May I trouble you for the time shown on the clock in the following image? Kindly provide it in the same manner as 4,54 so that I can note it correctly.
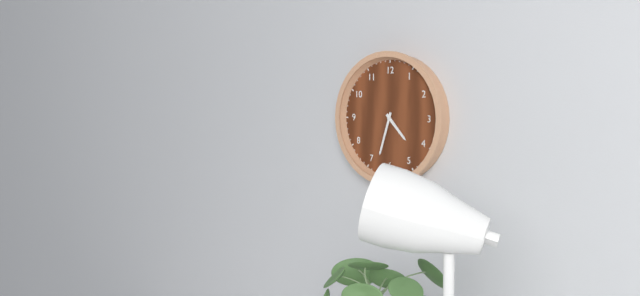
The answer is 4,33
